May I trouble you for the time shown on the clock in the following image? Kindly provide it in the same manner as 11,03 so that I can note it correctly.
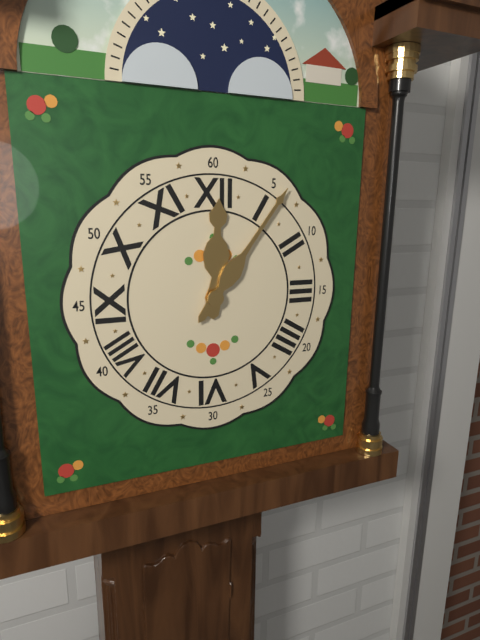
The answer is 12,06
